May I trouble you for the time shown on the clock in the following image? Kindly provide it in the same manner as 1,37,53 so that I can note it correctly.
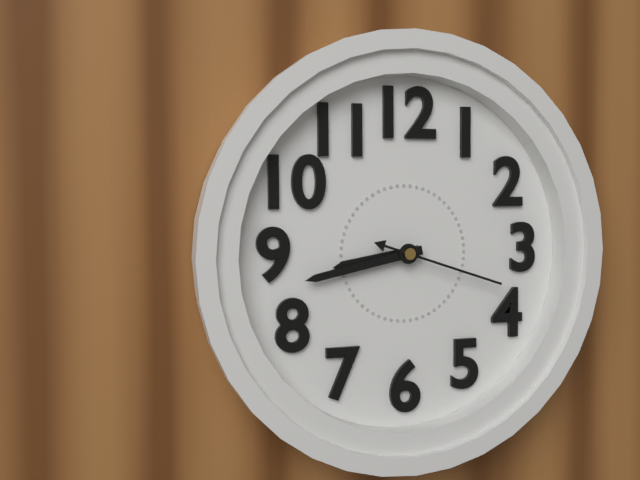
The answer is 8,43,18
